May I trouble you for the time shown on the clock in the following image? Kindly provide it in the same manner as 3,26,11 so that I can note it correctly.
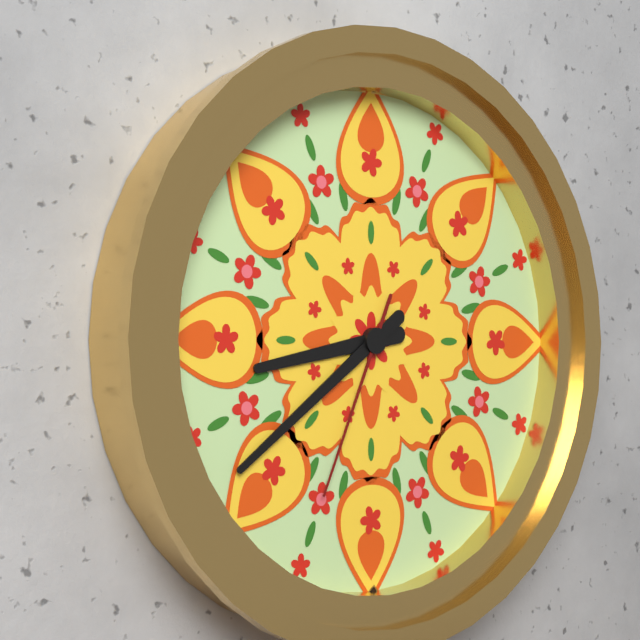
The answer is 8,39,34
